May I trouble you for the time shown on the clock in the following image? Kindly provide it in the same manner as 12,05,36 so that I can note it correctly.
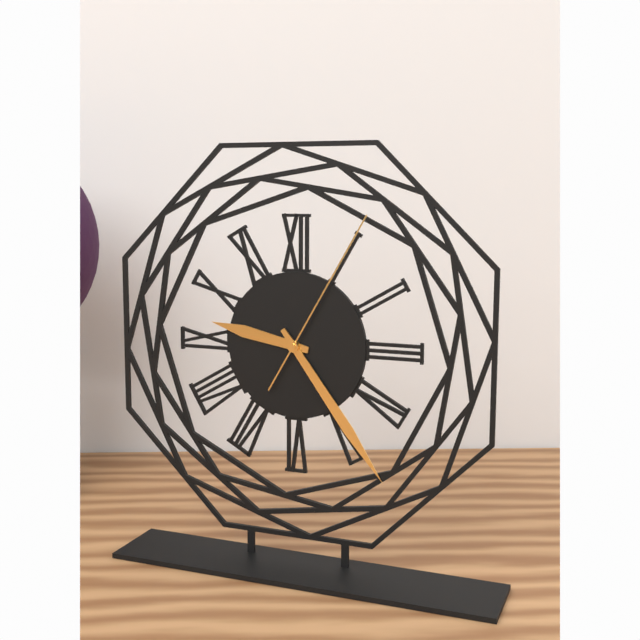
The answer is 9,24,05
